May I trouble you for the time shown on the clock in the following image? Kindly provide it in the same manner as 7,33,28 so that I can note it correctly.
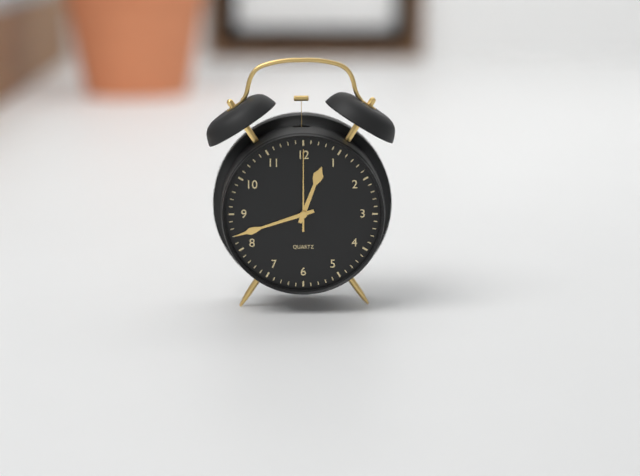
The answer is 12,42,00
